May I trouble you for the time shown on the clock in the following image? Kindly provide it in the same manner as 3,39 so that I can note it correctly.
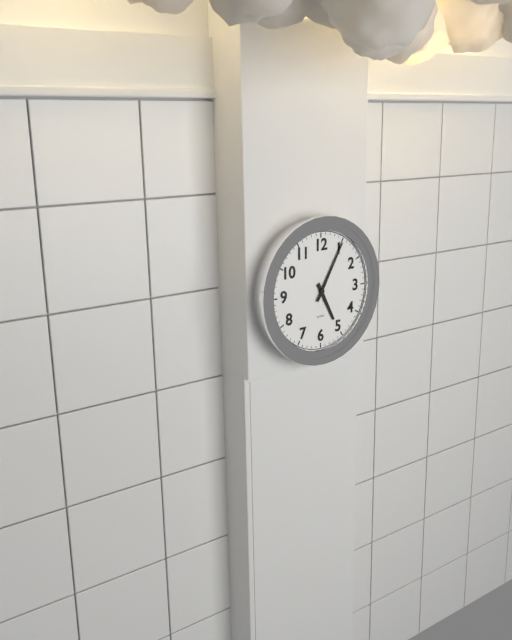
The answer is 5,05
